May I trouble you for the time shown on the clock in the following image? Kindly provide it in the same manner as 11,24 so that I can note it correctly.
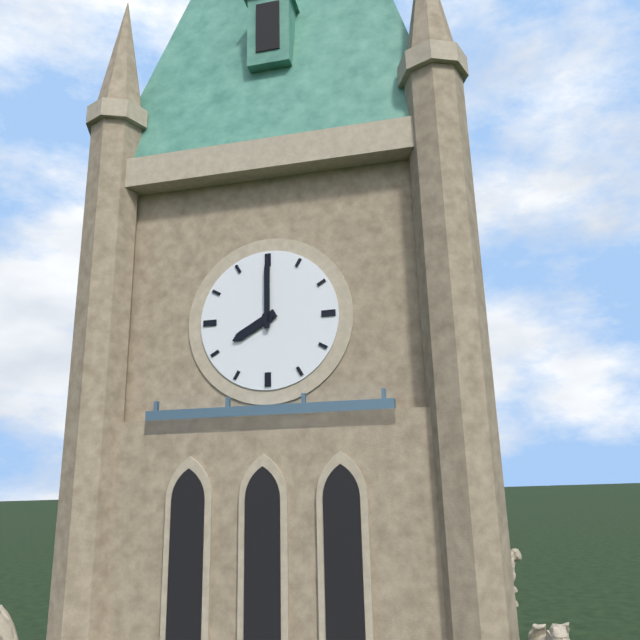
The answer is 8,00
